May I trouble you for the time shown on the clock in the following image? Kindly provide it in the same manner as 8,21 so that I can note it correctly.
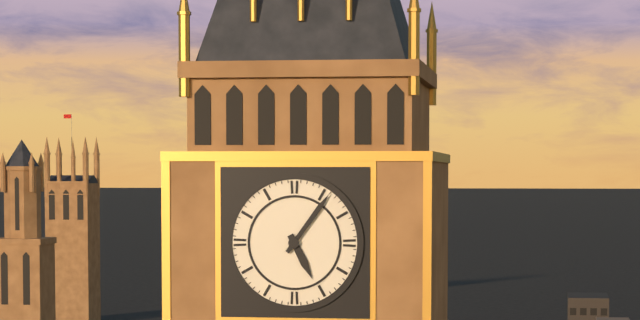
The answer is 5,06
